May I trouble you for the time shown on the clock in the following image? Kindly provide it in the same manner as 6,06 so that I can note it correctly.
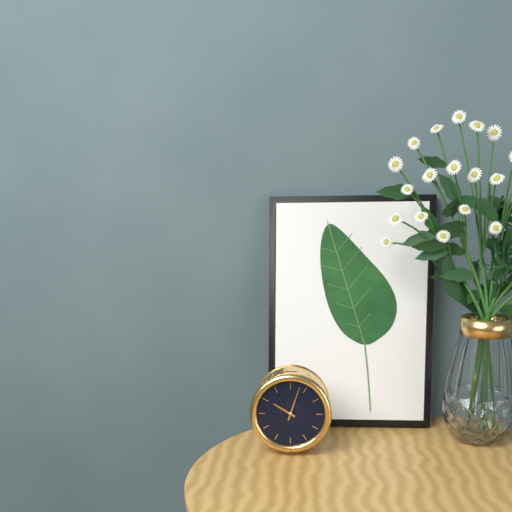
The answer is 10,03
